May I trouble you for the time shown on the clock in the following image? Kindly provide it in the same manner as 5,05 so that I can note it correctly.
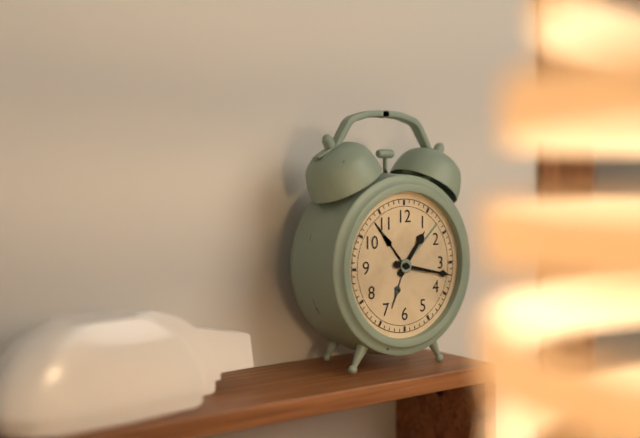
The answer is 1,17
